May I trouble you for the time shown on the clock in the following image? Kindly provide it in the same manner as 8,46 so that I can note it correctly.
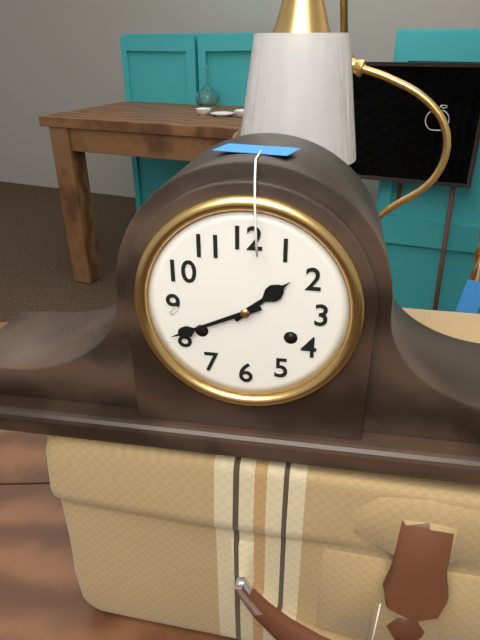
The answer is 1,41
